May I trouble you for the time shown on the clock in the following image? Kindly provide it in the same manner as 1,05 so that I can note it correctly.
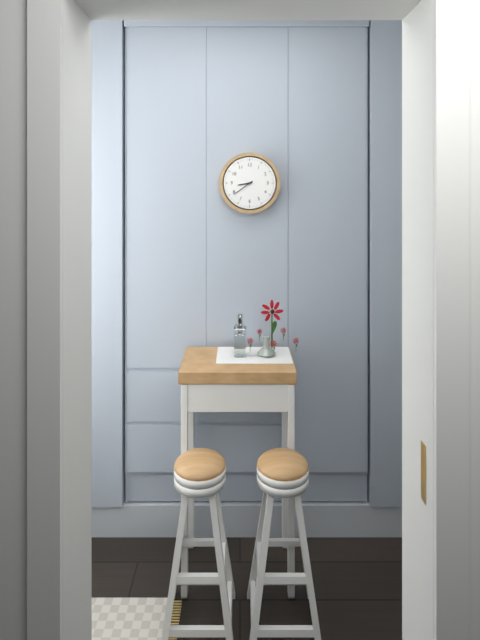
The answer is 8,39
